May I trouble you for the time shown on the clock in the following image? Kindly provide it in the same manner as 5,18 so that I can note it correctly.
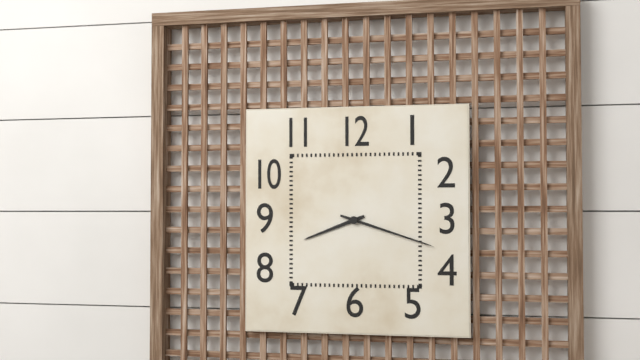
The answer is 8,18
